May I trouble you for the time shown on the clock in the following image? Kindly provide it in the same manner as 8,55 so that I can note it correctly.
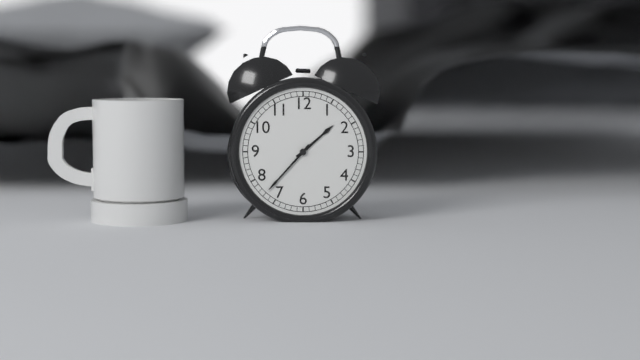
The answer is 1,37
